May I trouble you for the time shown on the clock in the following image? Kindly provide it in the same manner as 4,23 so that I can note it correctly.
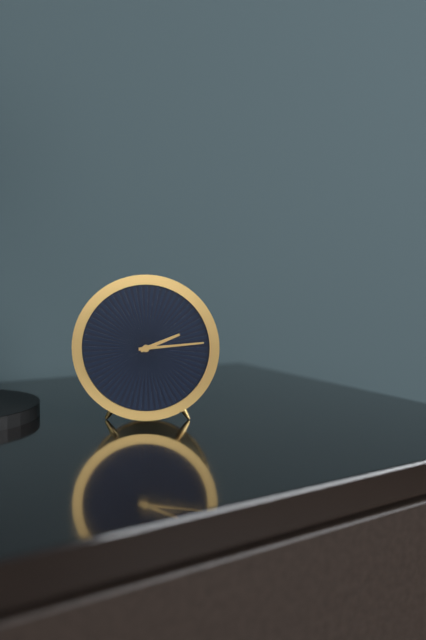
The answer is 2,14
